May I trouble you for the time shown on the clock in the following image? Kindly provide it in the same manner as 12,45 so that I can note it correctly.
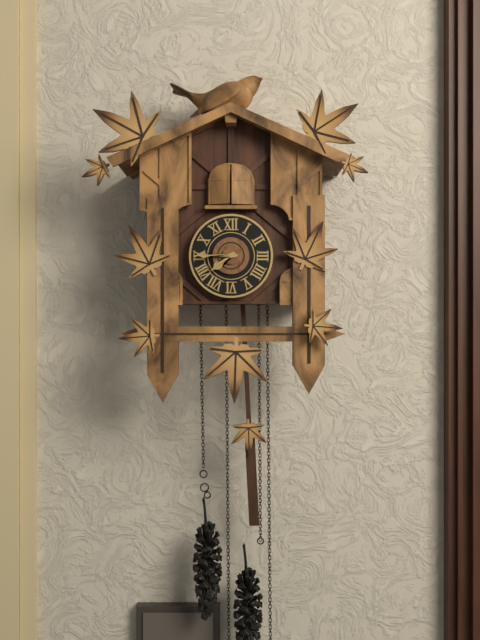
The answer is 7,45
